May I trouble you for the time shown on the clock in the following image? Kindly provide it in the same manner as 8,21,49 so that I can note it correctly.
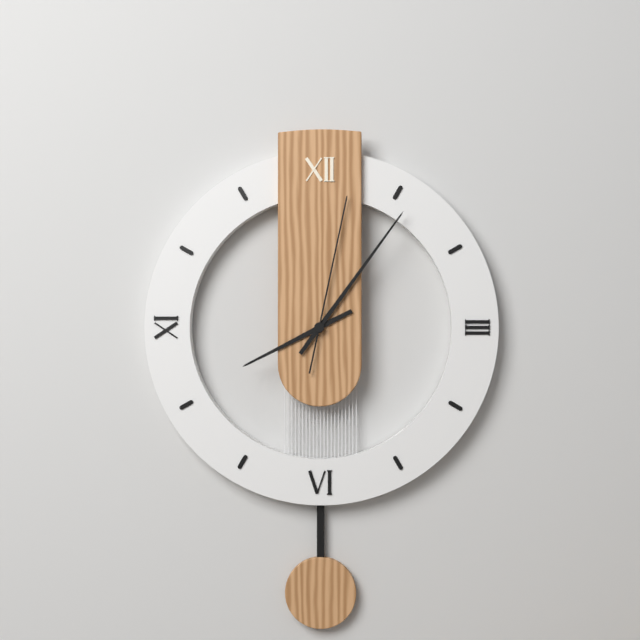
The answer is 8,06,02
